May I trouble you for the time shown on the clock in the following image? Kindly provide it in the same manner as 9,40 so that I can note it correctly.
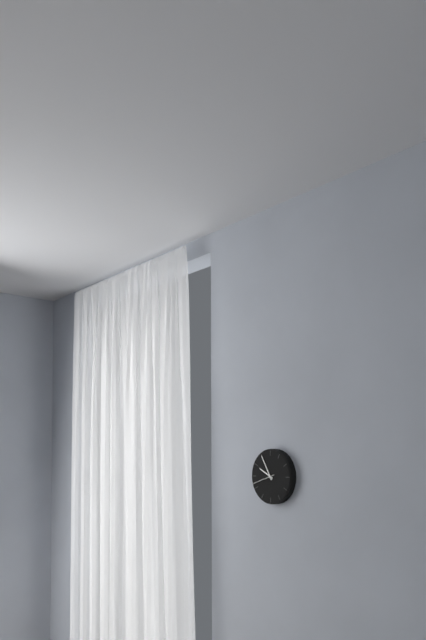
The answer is 9,55
